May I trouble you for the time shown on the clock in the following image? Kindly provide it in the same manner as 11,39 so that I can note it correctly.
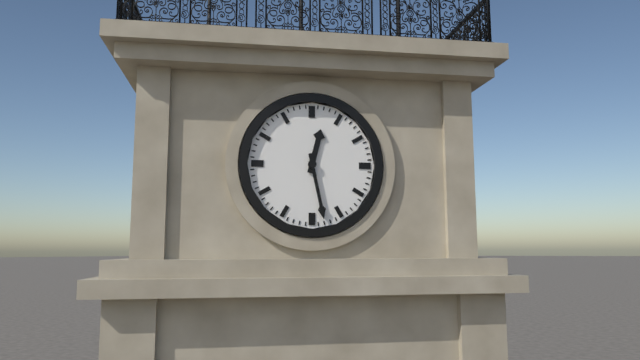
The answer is 12,28
